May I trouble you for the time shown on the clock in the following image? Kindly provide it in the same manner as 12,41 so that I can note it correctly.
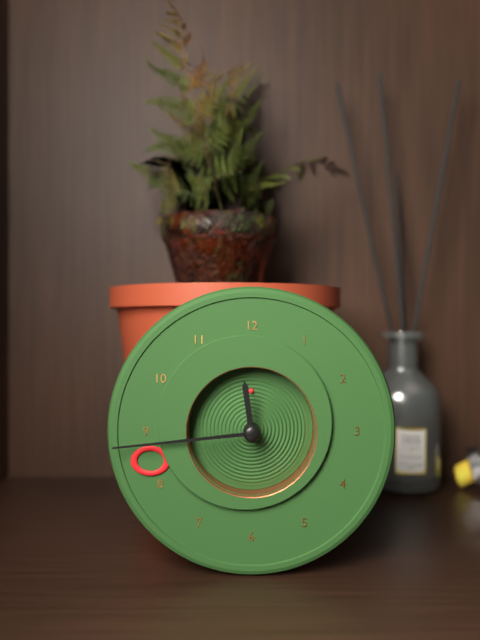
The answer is 11,44
